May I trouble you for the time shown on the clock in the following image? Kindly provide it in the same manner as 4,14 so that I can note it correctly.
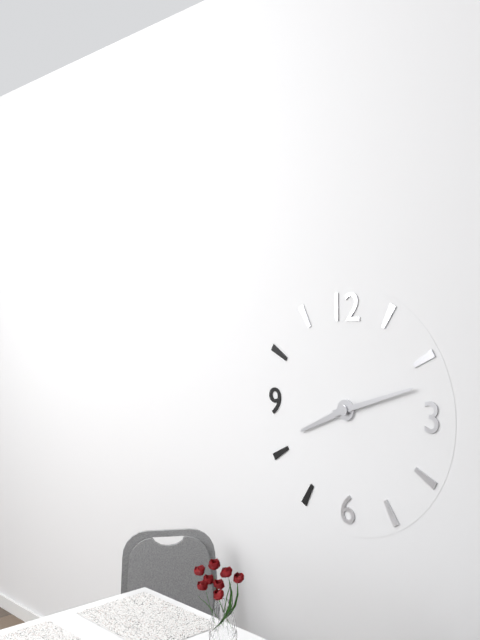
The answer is 8,12
